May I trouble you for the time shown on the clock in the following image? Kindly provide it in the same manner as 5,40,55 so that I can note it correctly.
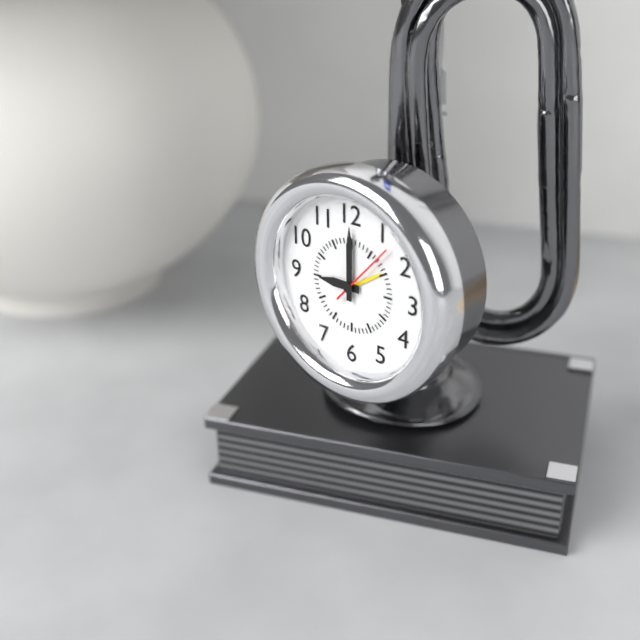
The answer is 9,00,07
